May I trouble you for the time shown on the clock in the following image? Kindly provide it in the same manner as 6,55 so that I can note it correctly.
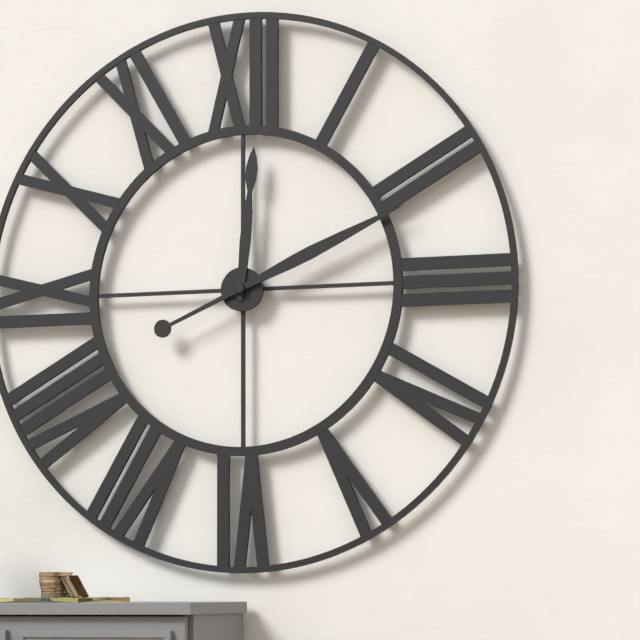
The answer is 12,11
